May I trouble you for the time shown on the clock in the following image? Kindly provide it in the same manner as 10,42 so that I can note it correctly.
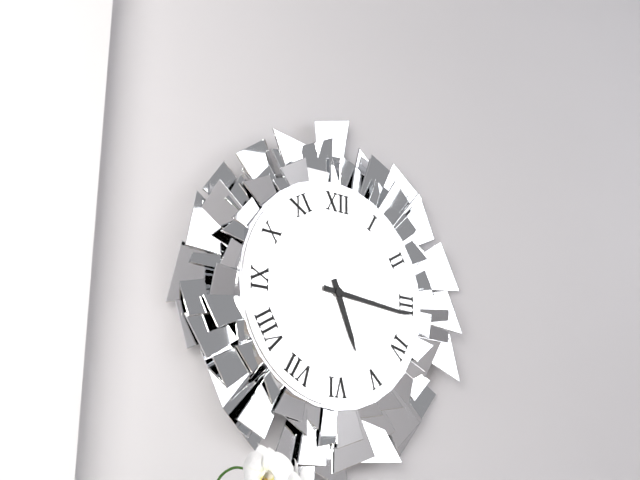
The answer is 5,16
